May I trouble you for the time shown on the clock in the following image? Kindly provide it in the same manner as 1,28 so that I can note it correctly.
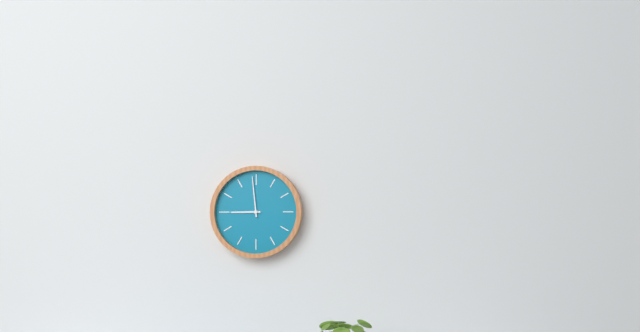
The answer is 8,59
